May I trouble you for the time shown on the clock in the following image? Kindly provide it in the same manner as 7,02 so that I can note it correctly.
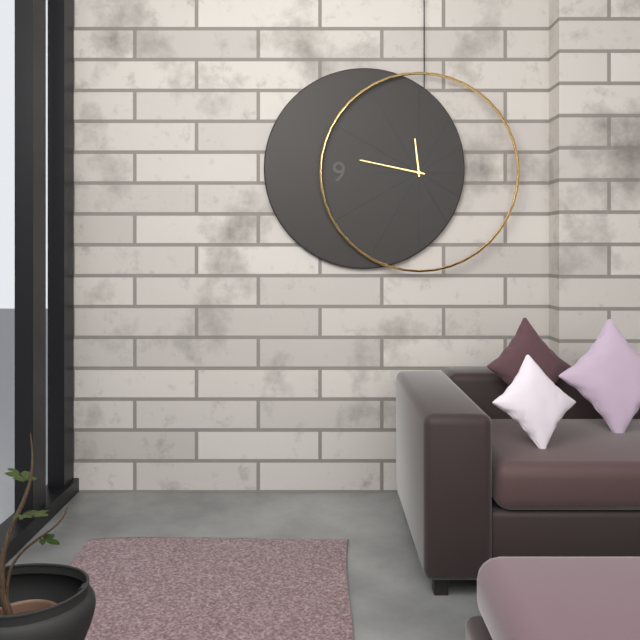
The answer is 11,47
